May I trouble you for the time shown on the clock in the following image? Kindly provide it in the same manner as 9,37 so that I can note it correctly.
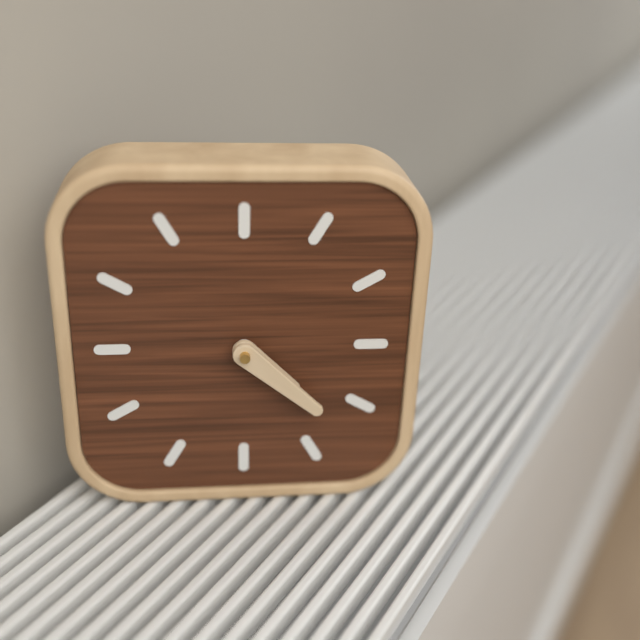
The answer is 4,22
